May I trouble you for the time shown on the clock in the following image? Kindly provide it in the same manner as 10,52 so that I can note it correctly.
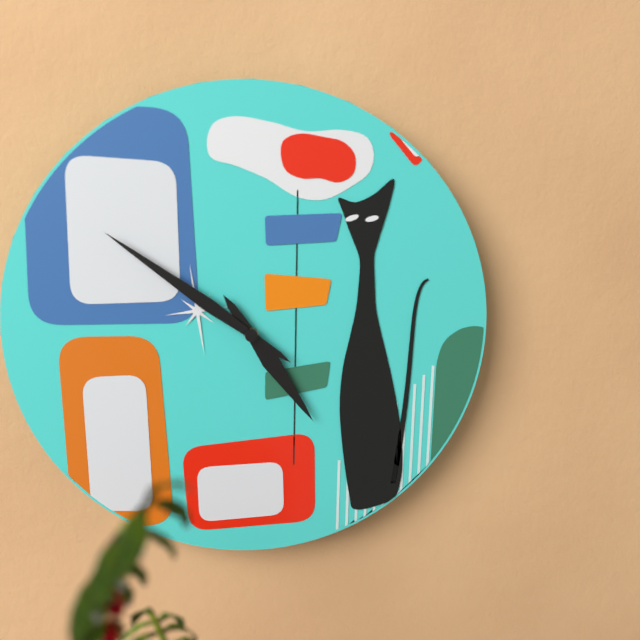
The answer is 4,51
